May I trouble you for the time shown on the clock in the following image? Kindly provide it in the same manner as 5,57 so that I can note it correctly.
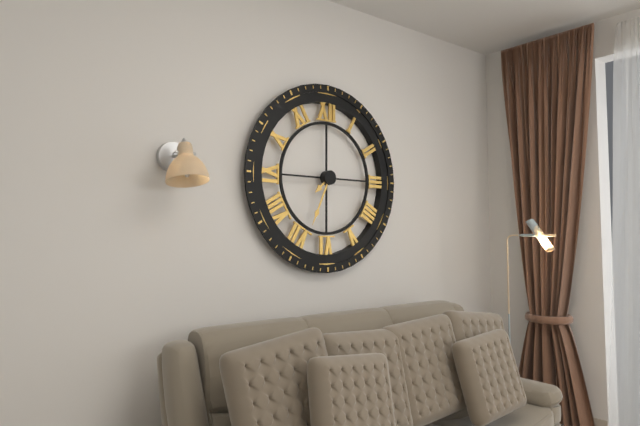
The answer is 7,34
